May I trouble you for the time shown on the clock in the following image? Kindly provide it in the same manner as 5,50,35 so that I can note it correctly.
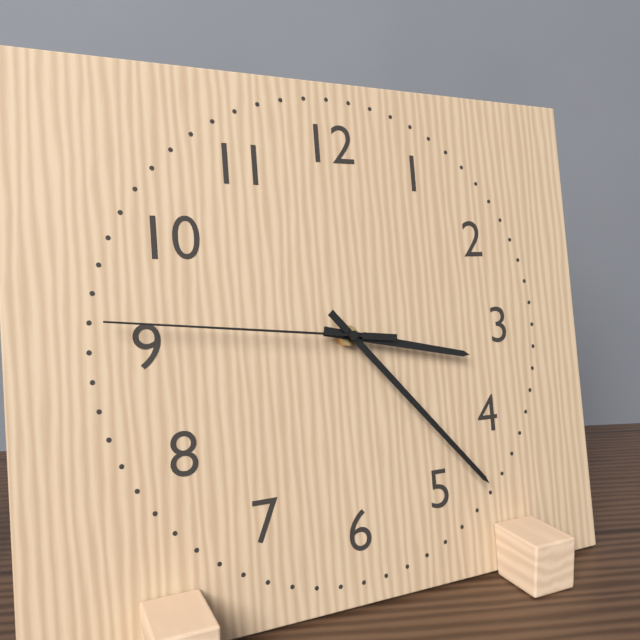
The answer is 3,23,46
